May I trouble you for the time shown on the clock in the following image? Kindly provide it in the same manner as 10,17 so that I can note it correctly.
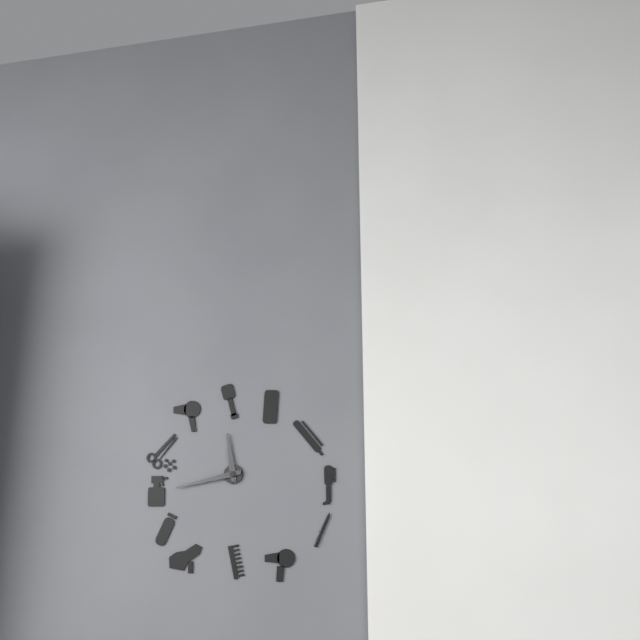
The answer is 11,43
